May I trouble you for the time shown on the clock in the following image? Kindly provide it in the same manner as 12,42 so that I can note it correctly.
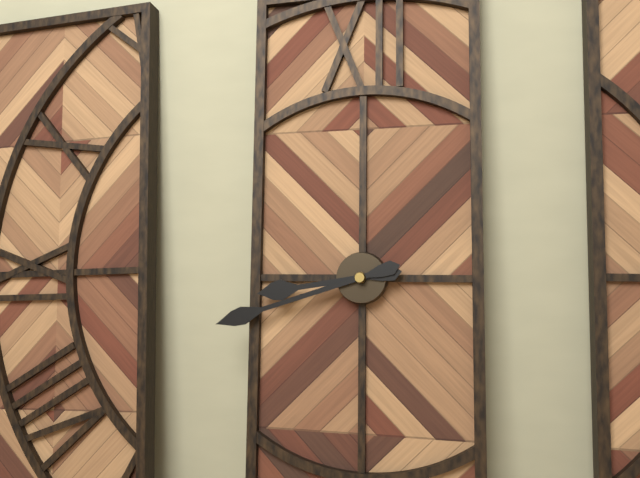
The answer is 8,42
